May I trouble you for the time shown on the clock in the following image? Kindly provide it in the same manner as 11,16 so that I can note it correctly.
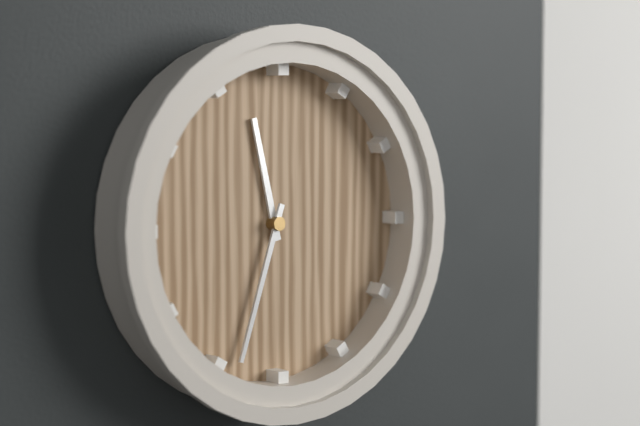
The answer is 11,33
